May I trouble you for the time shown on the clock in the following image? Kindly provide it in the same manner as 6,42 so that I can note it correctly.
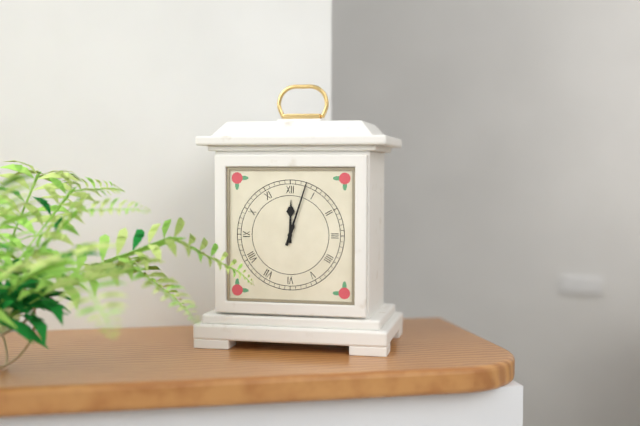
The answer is 12,03
